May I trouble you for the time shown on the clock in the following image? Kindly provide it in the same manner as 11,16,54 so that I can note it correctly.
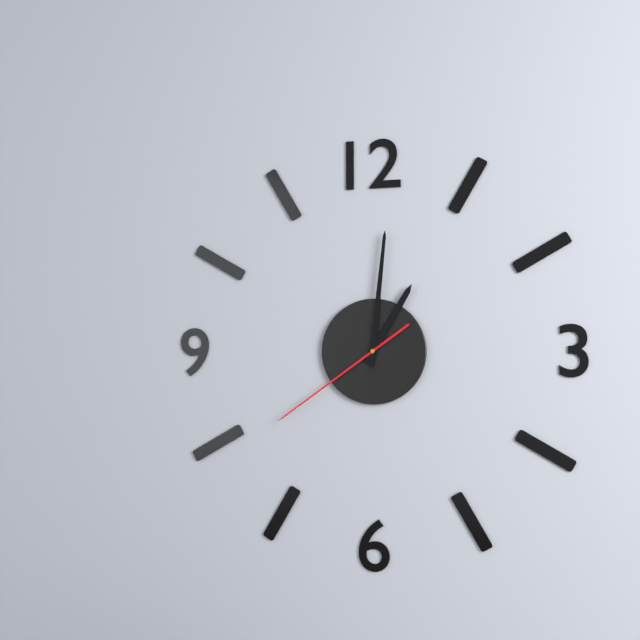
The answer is 1,01,39
